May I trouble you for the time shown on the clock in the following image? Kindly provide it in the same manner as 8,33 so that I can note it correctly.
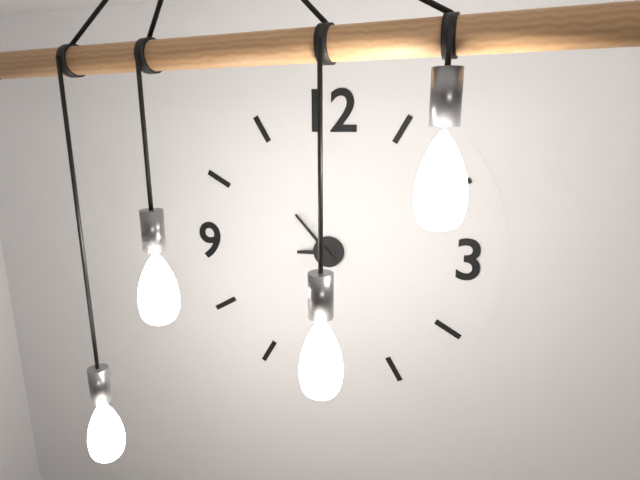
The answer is 8,53
